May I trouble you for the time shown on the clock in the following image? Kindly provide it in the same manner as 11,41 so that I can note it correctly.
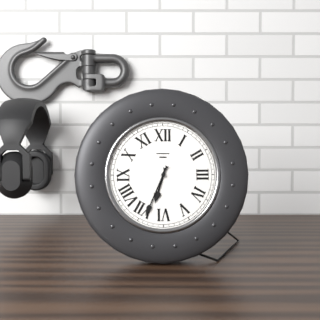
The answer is 6,34
